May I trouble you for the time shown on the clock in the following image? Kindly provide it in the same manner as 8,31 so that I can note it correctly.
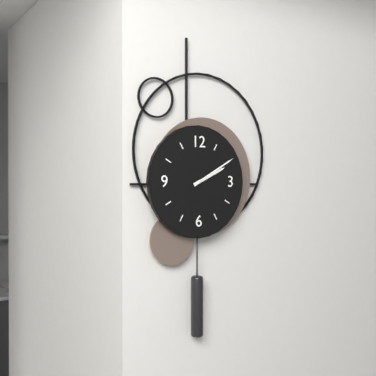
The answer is 2,10
